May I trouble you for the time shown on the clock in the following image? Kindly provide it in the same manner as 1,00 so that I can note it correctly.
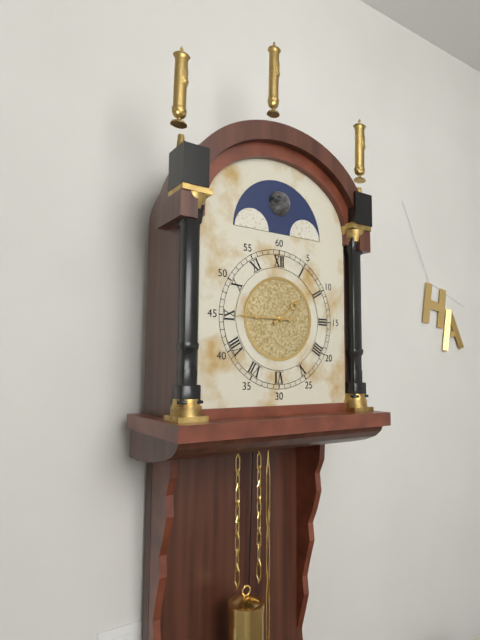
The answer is 1,45
